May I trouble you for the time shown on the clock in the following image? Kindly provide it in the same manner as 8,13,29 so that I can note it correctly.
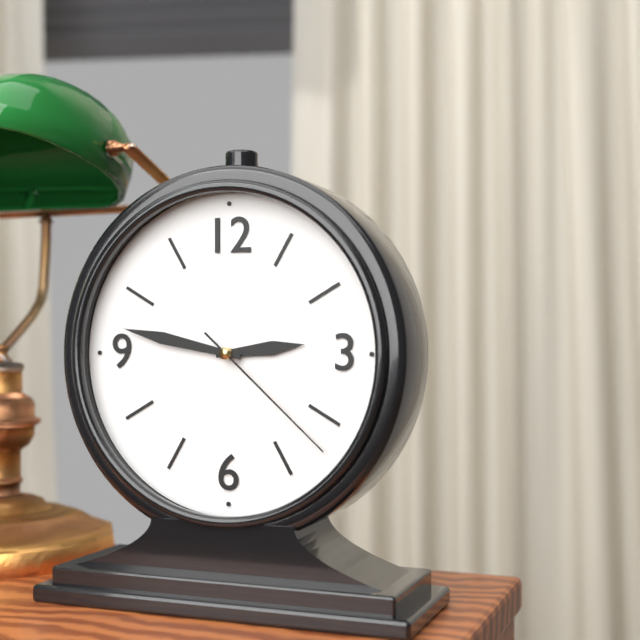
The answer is 2,47,22
